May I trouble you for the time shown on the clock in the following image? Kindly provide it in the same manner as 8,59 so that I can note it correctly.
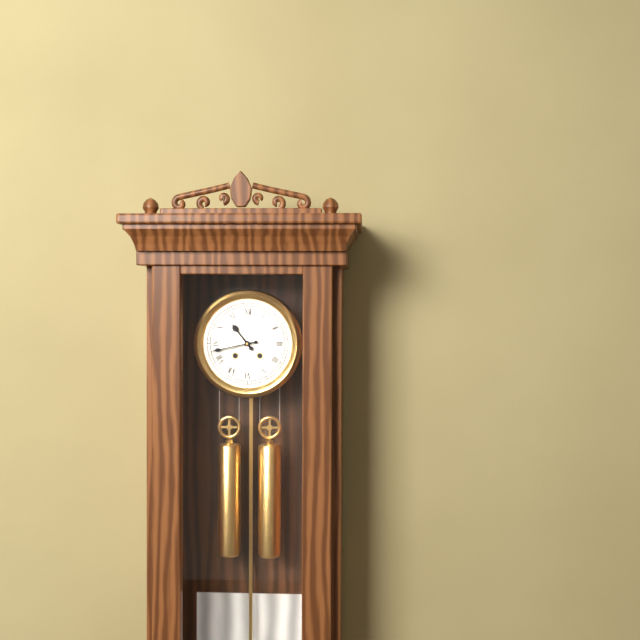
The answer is 10,43
